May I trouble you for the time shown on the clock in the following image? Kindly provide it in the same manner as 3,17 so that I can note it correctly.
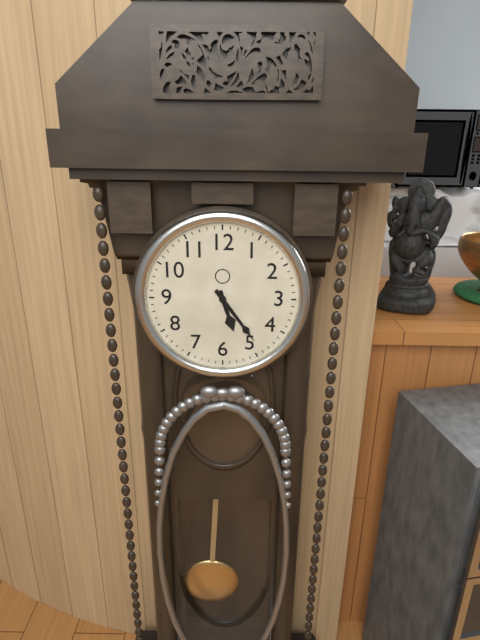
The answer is 5,24
